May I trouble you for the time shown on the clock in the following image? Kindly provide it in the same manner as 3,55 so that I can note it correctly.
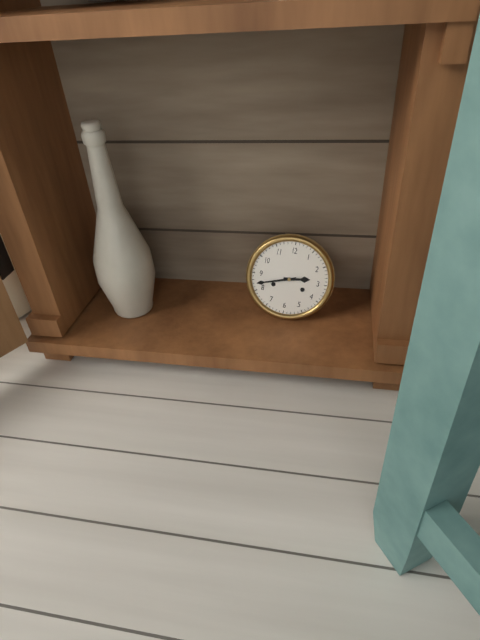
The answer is 2,42
